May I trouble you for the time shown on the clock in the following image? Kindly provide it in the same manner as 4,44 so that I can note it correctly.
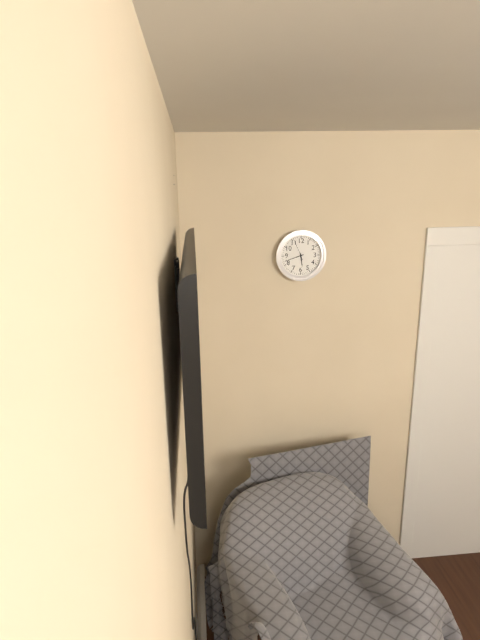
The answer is 5,42
